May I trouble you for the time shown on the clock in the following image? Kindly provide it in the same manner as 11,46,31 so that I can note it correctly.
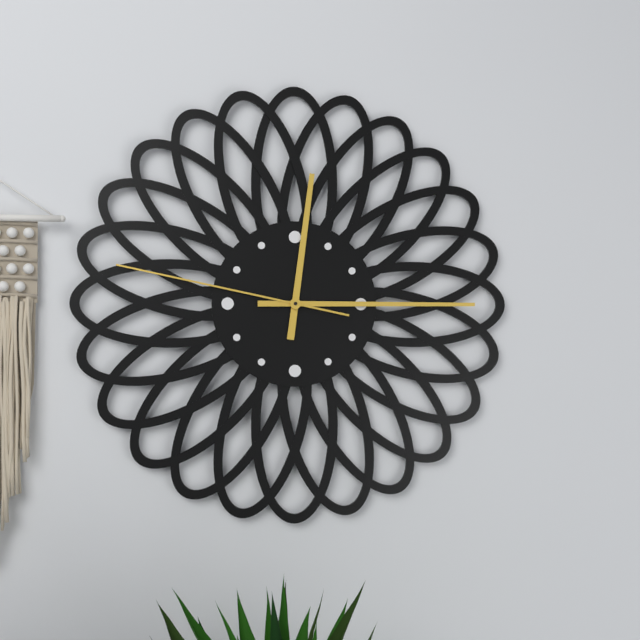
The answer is 12,15,47
